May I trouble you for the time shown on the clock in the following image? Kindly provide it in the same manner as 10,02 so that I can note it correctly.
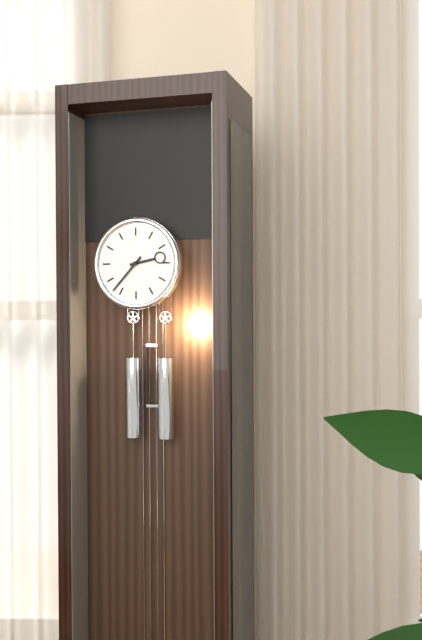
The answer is 2,37
